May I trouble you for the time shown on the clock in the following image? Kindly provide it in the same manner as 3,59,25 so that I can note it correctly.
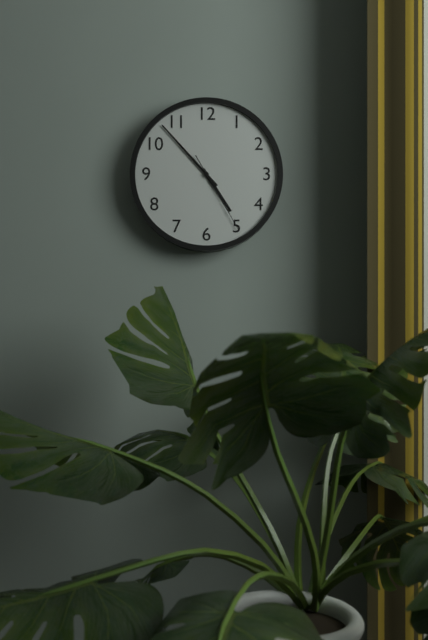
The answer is 4,53,25
